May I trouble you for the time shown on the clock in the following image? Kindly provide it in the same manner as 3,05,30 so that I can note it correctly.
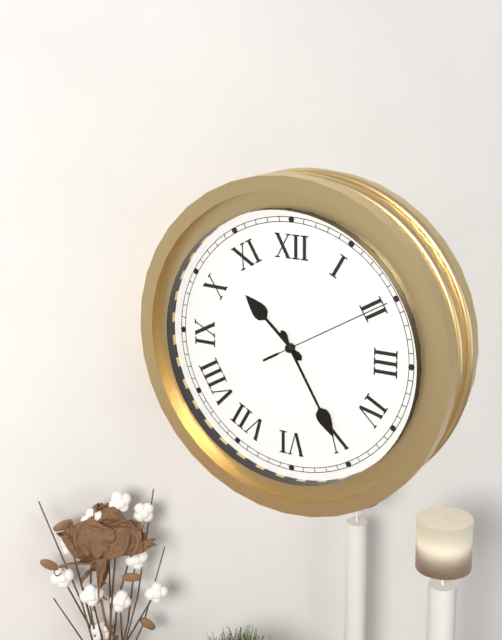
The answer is 10,25,10
